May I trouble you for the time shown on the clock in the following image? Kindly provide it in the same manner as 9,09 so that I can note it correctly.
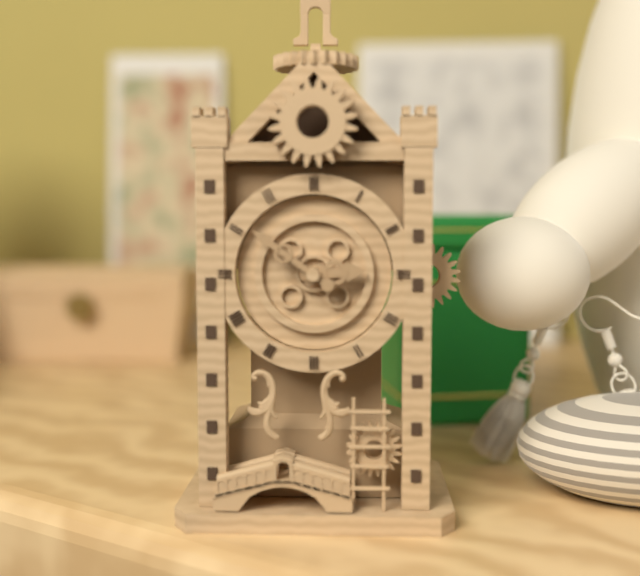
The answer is 2,51
